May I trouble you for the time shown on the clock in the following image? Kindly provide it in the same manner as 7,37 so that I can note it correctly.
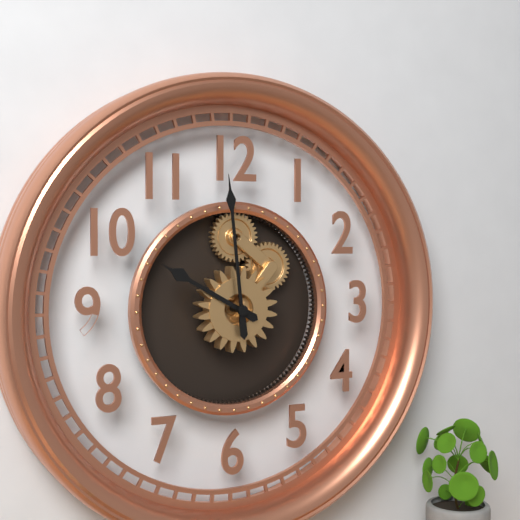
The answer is 9,59
